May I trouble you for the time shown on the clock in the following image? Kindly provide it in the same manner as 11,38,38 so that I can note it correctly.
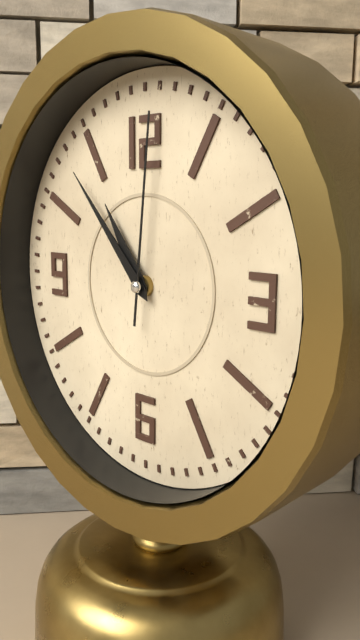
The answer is 10,53,01
